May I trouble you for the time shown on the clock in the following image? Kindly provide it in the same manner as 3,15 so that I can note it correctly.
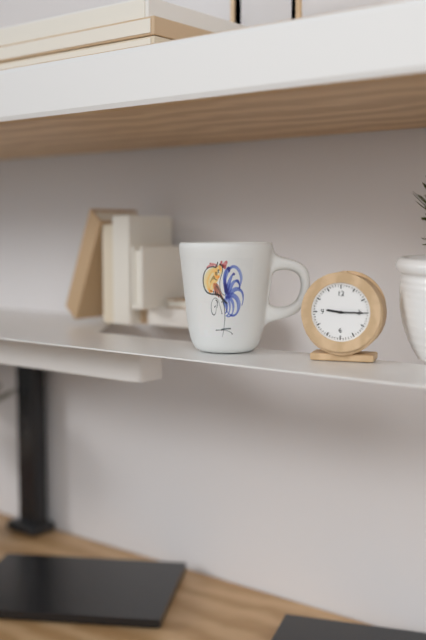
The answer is 9,15
